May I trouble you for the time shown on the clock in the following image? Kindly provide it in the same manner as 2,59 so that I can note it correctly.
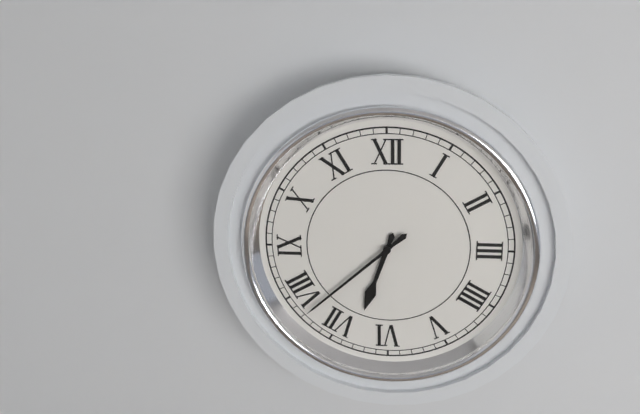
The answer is 6,38
